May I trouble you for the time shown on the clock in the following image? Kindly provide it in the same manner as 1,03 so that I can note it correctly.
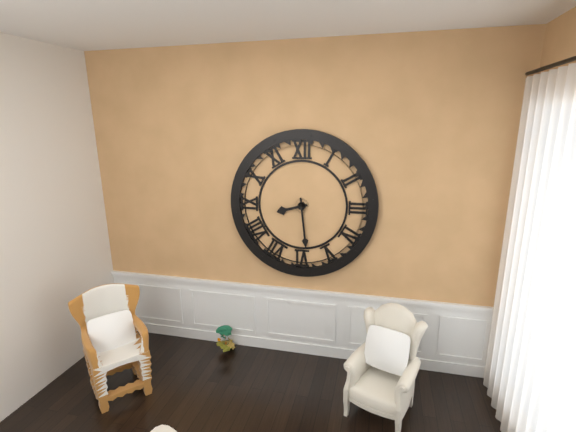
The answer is 8,29
